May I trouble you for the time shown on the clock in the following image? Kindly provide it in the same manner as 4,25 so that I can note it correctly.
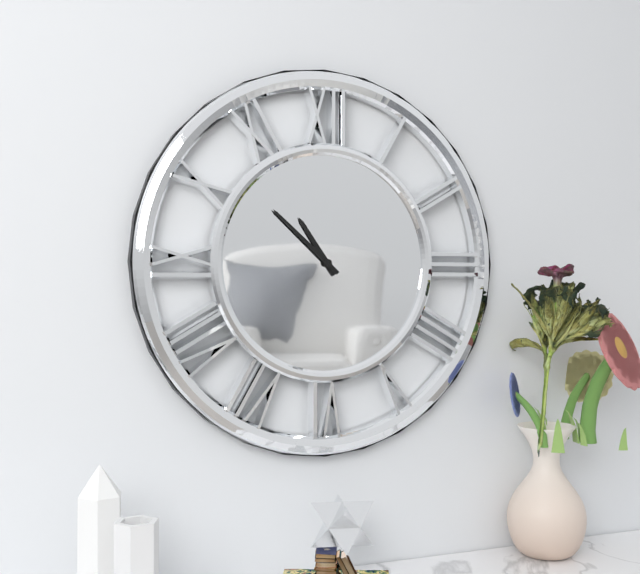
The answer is 10,52
